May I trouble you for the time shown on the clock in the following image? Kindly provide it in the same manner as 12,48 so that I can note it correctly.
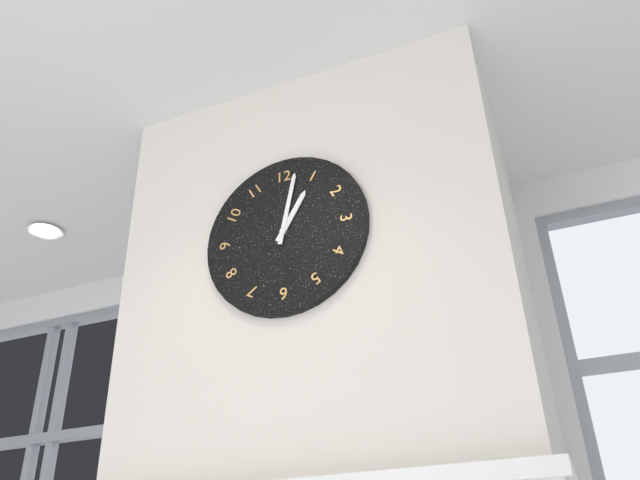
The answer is 1,02
